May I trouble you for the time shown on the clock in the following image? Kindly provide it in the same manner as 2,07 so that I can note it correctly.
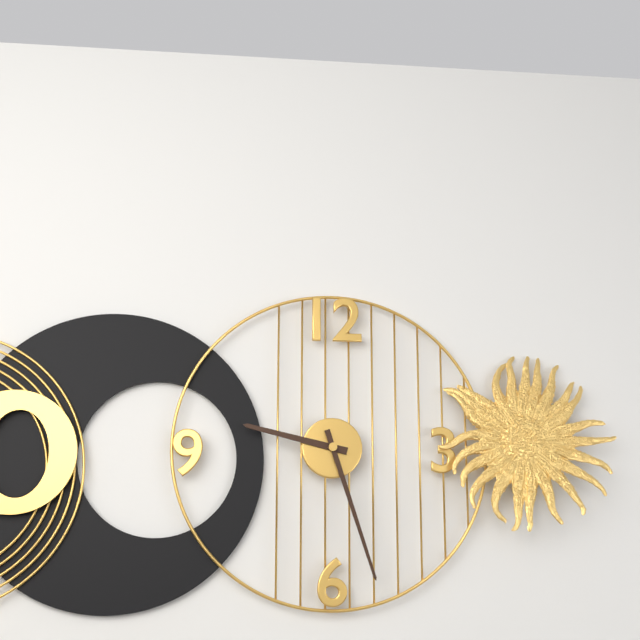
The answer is 9,27
